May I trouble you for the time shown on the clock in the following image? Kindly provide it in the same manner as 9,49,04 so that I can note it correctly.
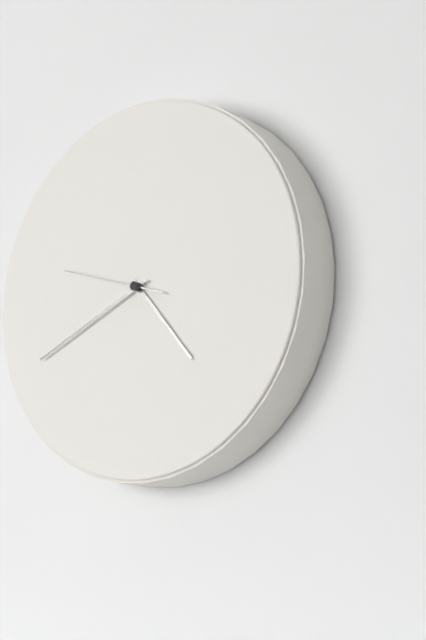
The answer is 4,41,48
